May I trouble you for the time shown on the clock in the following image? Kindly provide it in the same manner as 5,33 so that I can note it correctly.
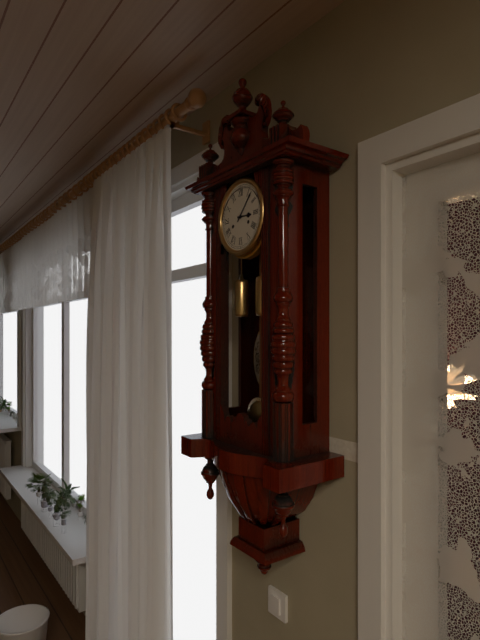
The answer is 3,07
